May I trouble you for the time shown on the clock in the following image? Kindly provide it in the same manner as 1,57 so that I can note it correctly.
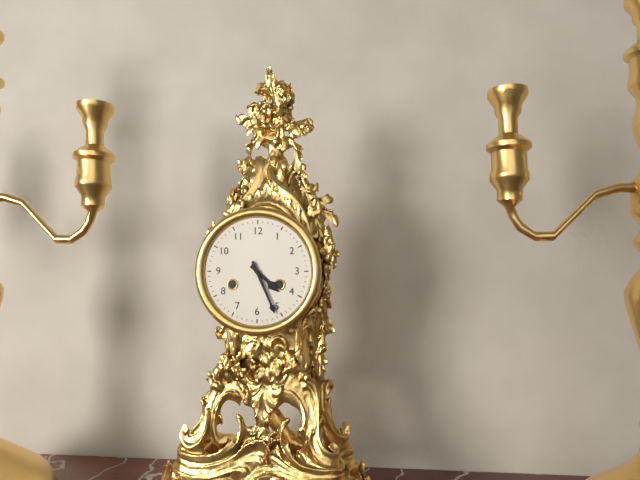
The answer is 4,26
